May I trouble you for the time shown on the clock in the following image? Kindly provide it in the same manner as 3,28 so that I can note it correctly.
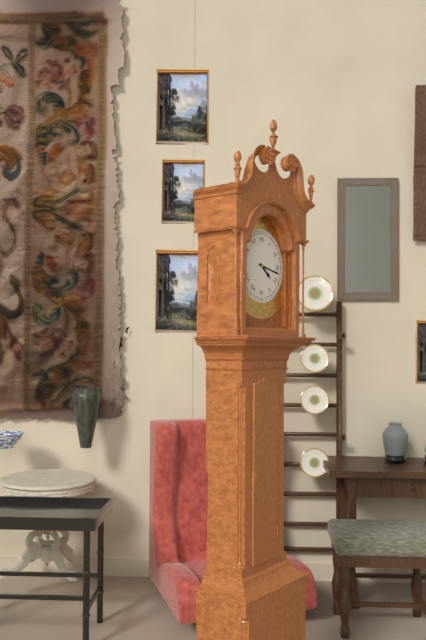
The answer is 4,17
